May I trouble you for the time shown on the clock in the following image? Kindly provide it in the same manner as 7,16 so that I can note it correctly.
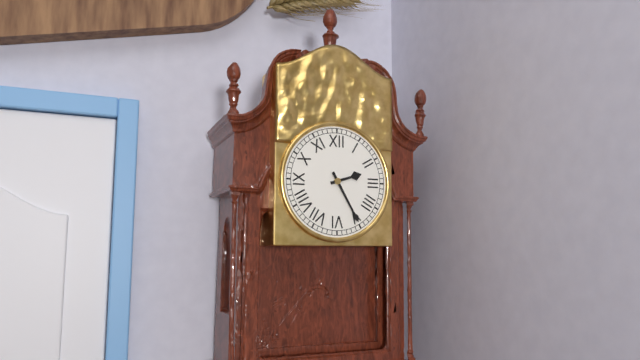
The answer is 2,25
